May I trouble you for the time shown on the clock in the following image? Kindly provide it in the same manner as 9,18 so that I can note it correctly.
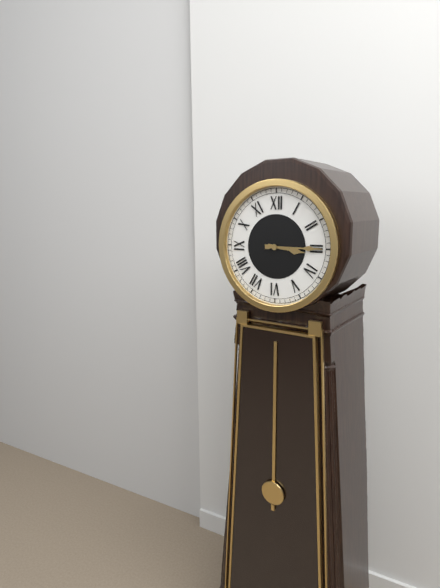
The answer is 3,15
